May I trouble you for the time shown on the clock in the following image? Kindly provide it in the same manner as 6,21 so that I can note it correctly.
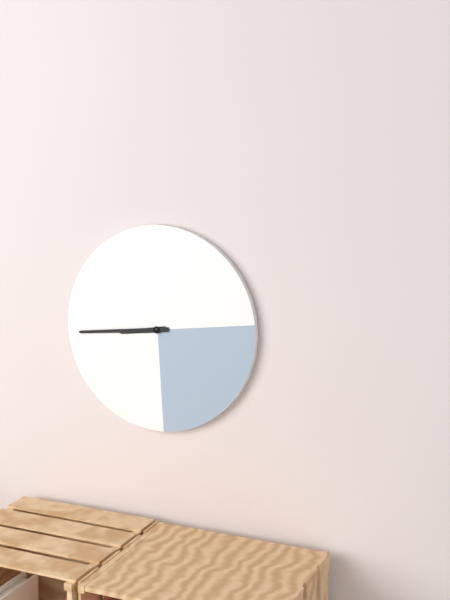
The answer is 8,44
